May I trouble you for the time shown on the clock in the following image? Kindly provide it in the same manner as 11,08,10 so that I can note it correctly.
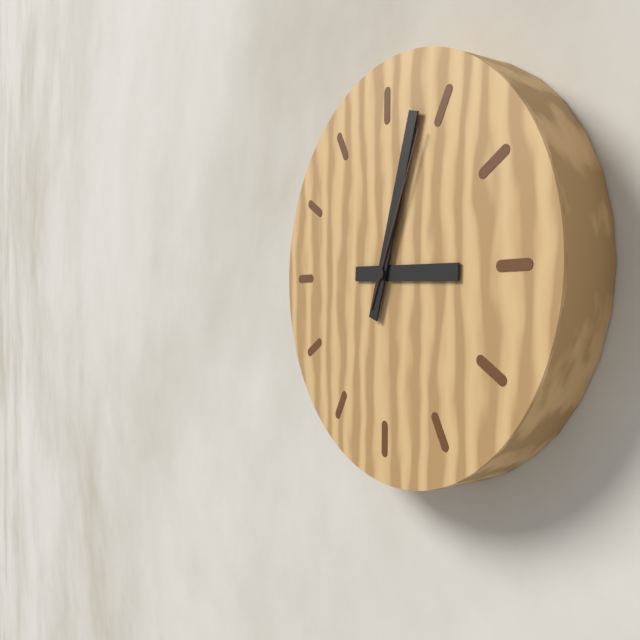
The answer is 3,03,04
